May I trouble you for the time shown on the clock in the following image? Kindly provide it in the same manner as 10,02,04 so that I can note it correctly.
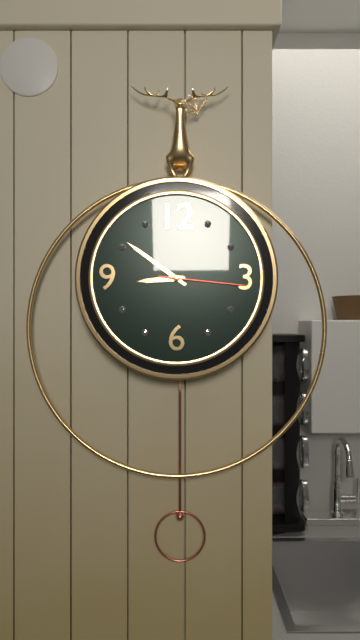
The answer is 8,51,16
